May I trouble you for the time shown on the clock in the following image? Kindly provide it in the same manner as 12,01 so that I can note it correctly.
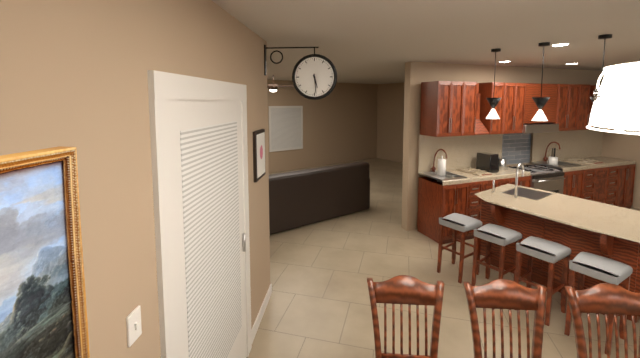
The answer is 5,29
